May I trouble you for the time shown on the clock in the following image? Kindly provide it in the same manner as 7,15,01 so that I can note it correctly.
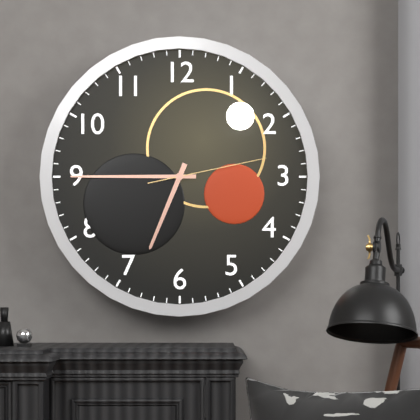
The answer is 6,45,13
